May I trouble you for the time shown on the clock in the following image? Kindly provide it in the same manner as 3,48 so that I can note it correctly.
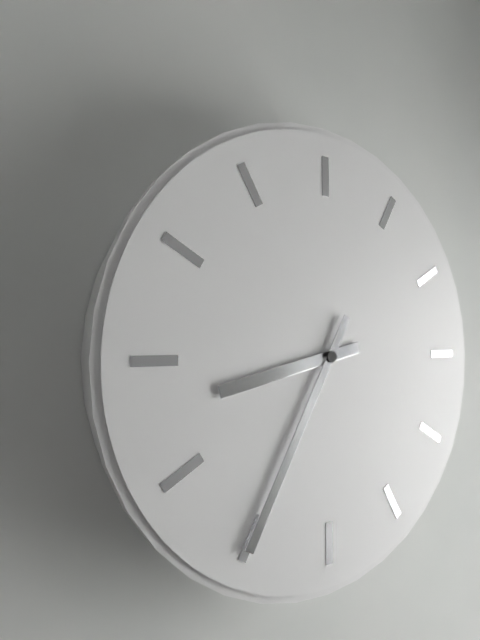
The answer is 8,35
